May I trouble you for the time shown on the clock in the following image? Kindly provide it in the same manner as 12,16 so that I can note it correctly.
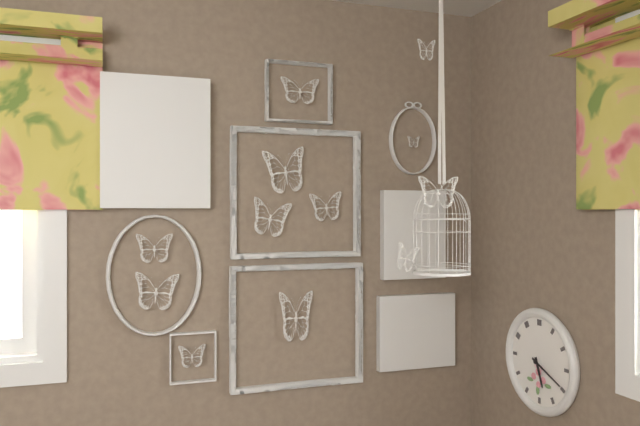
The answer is 5,19
